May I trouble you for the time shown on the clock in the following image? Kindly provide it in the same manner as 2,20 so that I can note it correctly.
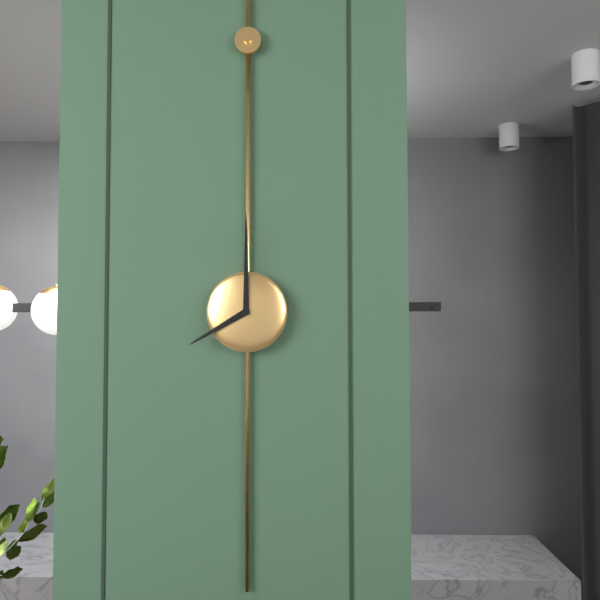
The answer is 8,00
